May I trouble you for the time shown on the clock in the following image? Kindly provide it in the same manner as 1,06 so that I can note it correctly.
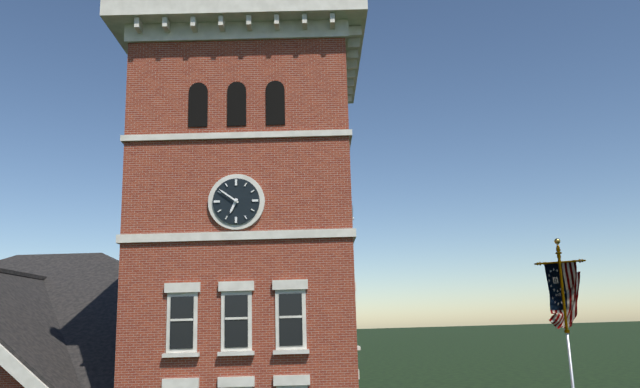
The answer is 6,51
